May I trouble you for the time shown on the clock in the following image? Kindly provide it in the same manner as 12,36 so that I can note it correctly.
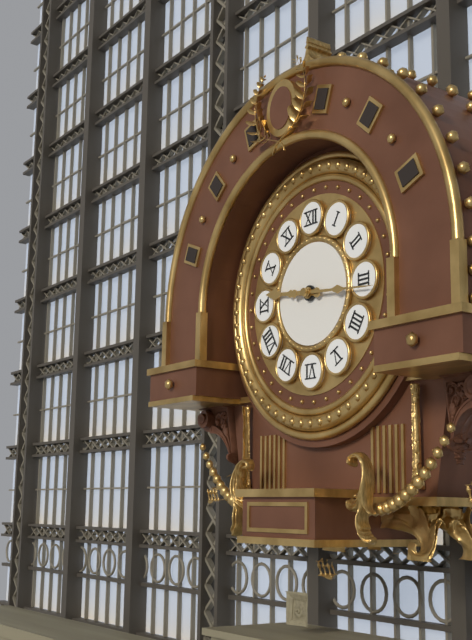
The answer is 9,16
